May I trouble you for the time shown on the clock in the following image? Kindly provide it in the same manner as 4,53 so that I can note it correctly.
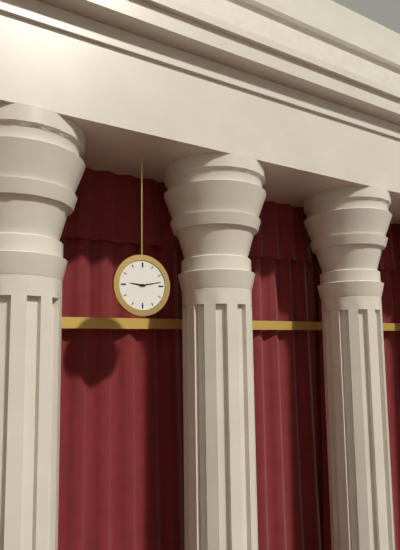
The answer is 9,13
